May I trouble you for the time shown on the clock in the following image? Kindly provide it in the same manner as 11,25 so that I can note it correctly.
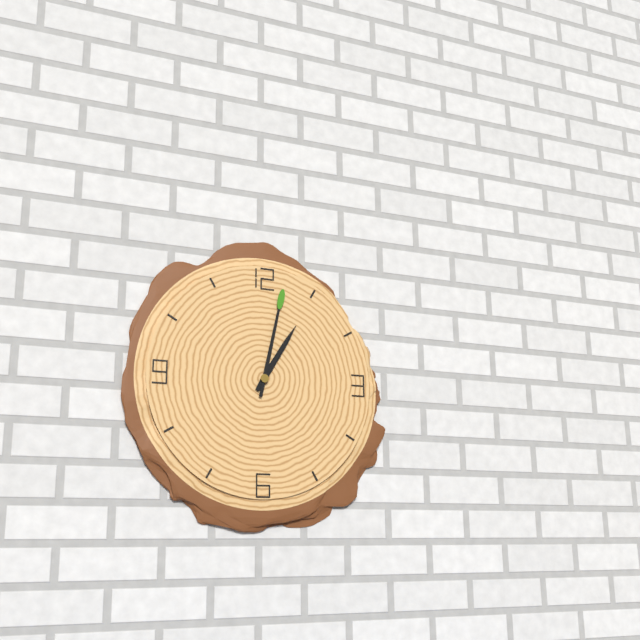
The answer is 1,02
